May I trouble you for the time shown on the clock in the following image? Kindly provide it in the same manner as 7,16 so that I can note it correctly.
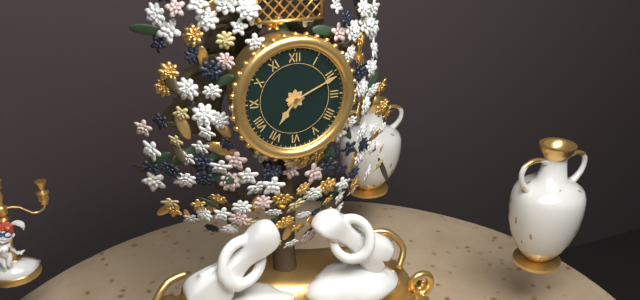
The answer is 7,11
